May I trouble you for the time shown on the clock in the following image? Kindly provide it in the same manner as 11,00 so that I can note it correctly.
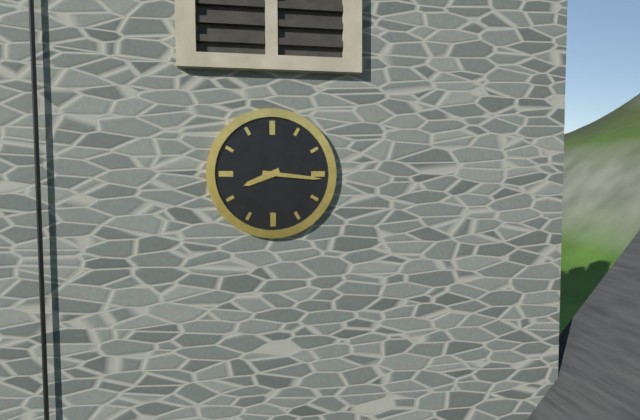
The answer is 8,16
